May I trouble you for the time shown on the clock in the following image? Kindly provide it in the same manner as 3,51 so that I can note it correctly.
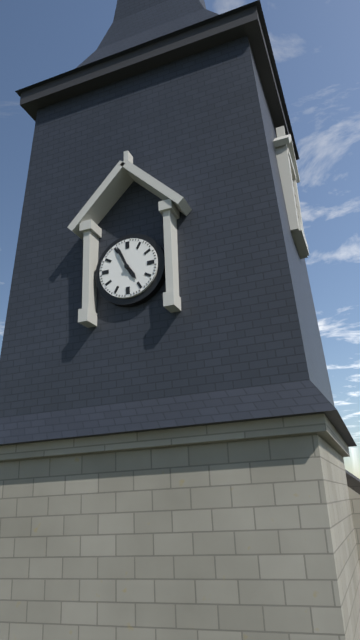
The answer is 4,56
